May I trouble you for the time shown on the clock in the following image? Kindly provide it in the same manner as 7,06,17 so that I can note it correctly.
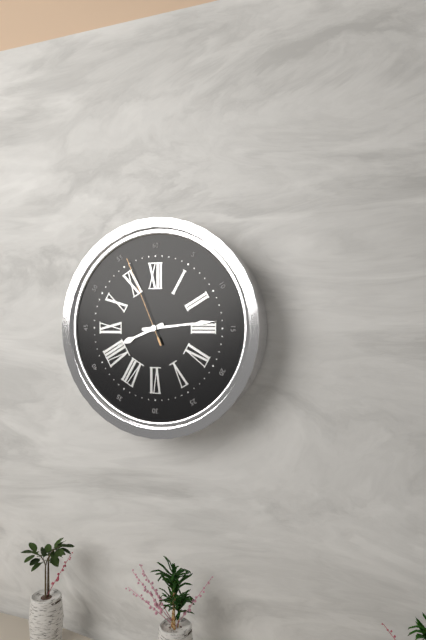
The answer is 8,14,56
